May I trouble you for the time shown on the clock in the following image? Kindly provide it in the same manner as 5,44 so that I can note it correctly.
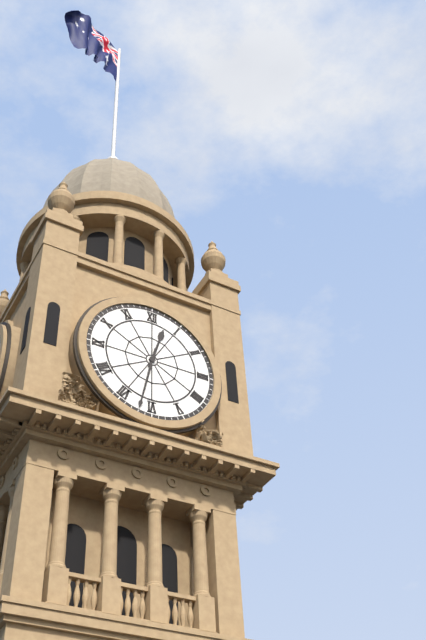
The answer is 12,32
